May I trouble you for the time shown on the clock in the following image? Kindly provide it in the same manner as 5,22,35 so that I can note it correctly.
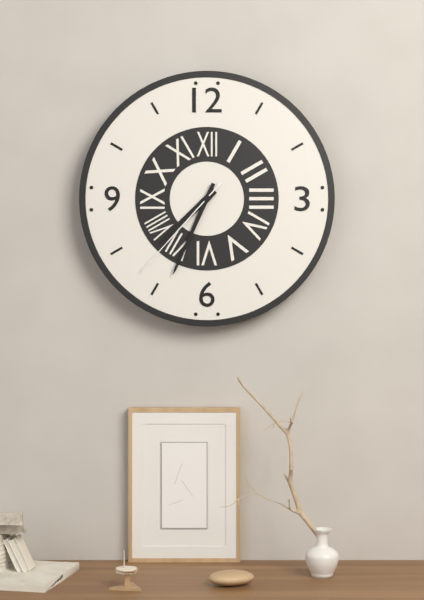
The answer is 7,34,37
